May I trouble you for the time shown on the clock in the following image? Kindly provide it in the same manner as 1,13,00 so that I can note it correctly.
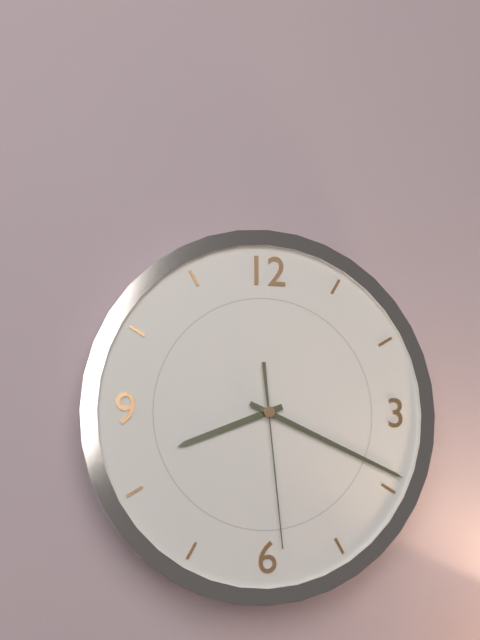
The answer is 8,19,29
